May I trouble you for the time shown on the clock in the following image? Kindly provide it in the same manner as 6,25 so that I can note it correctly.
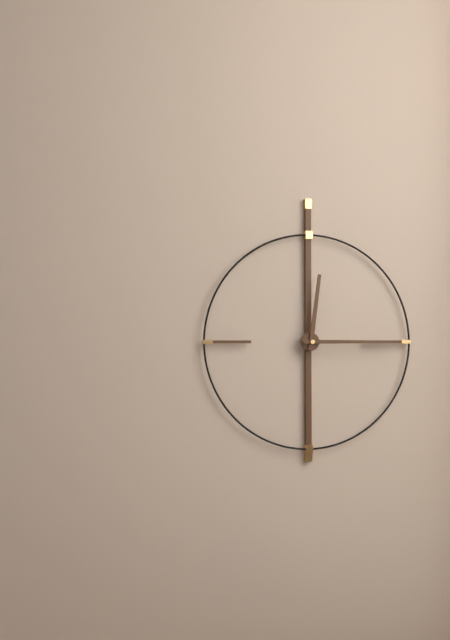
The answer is 12,15
